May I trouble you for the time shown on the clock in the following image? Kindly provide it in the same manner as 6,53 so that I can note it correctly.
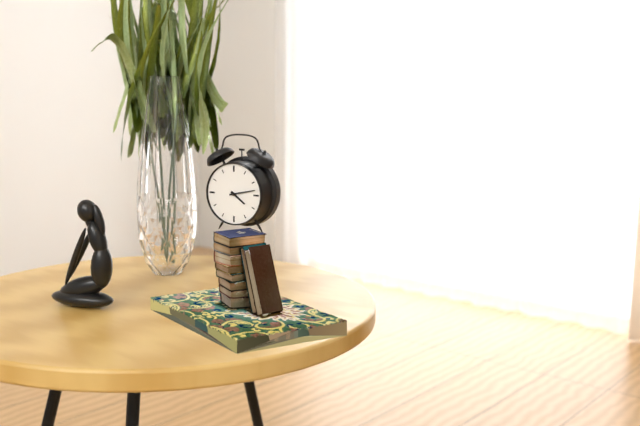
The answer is 4,13
